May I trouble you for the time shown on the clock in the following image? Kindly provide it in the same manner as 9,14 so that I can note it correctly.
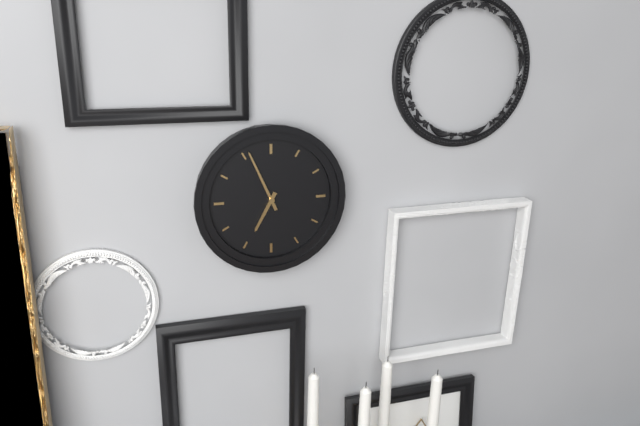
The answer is 6,56
